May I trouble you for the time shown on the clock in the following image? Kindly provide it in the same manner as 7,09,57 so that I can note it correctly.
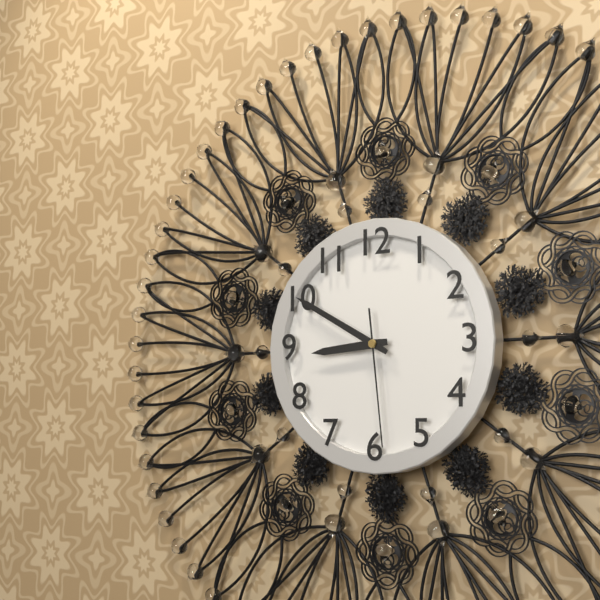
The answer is 8,50,29
